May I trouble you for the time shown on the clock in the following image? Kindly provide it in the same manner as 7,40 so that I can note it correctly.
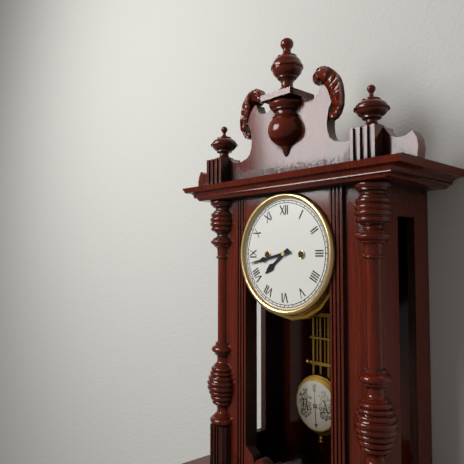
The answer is 7,43
